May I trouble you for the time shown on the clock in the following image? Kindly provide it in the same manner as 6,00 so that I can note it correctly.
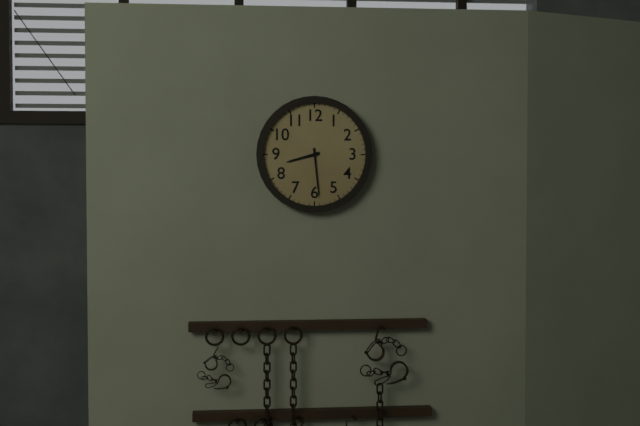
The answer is 8,29
